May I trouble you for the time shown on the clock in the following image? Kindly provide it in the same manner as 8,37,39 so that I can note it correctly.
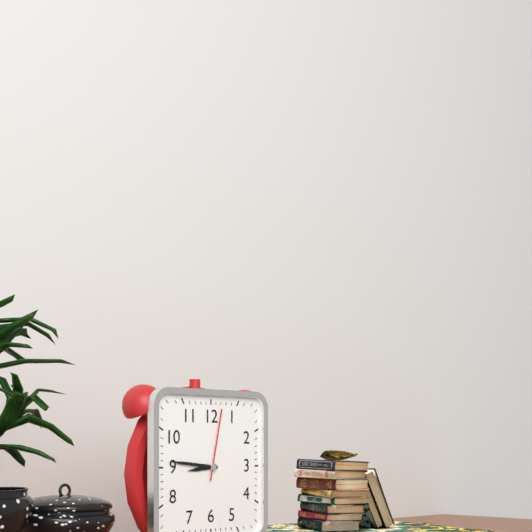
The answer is 8,46,02
